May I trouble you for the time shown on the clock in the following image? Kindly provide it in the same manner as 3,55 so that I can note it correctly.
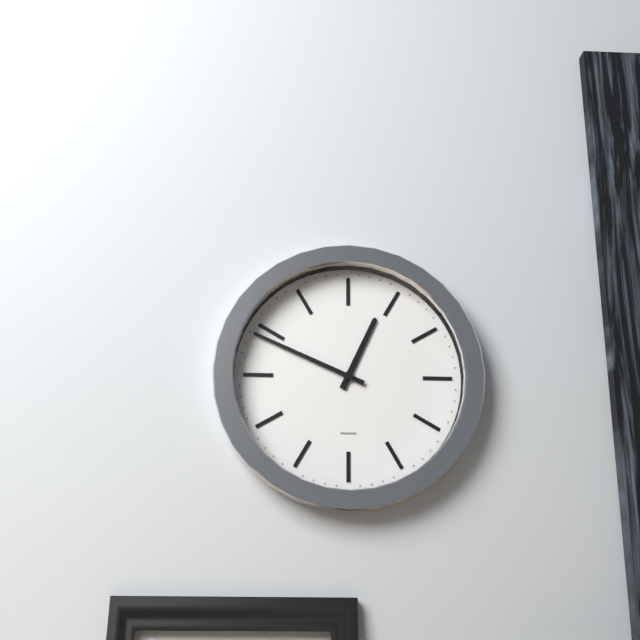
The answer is 12,49
